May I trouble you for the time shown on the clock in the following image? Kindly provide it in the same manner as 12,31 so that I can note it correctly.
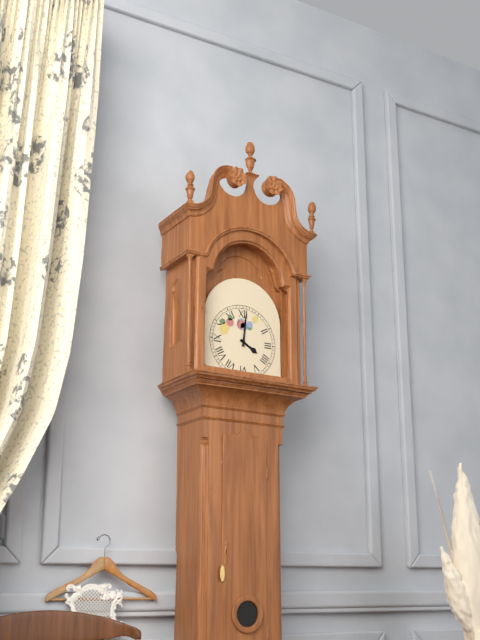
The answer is 4,01
